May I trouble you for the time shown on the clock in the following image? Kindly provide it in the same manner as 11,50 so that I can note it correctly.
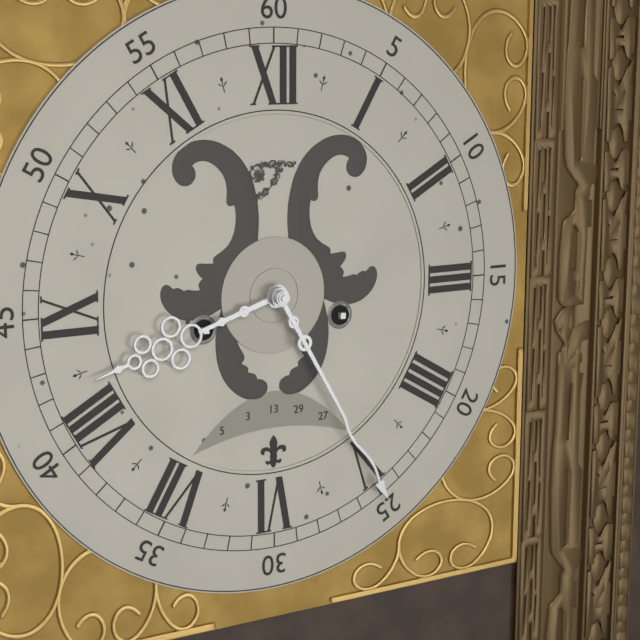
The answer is 8,25
